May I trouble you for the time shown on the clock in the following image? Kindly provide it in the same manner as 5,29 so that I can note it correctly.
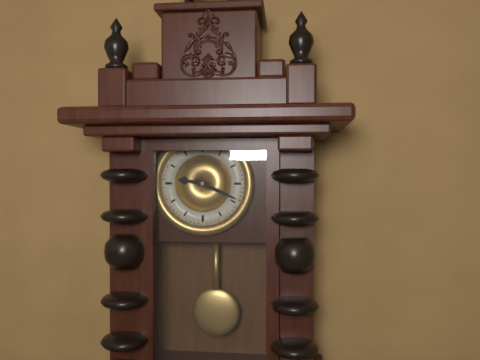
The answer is 9,19
